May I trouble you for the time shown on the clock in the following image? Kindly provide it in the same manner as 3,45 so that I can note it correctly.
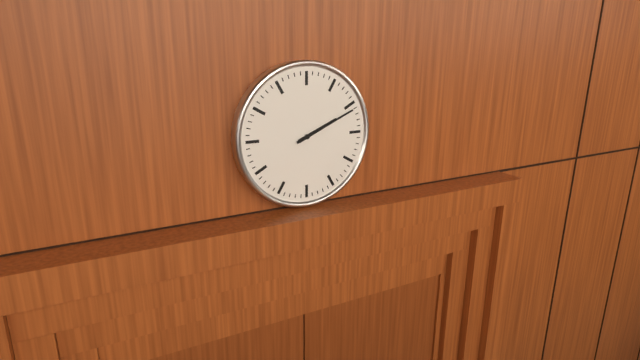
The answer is 2,11
